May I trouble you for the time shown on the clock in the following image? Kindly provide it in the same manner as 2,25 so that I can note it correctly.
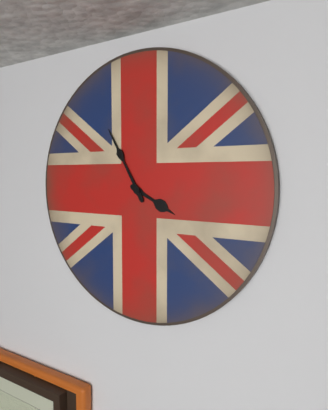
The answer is 3,55
